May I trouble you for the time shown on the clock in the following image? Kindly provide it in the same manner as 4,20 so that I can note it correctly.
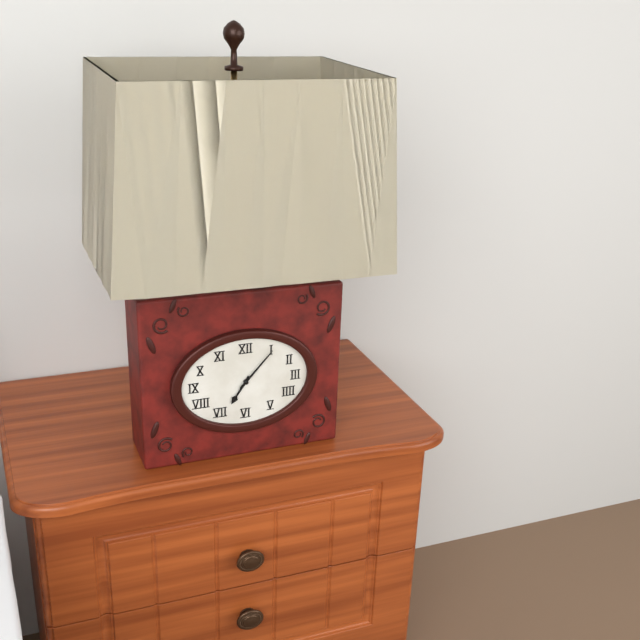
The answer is 7,07
